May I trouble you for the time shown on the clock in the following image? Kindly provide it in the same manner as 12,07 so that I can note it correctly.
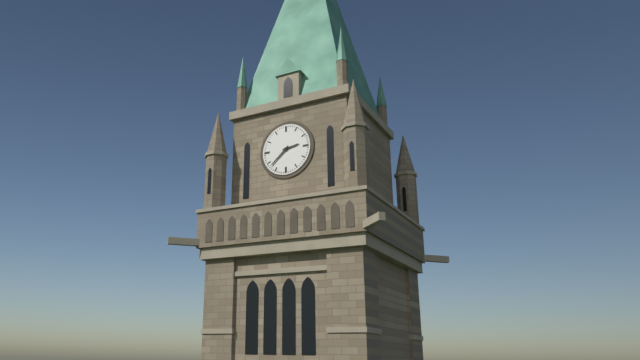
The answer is 2,38
